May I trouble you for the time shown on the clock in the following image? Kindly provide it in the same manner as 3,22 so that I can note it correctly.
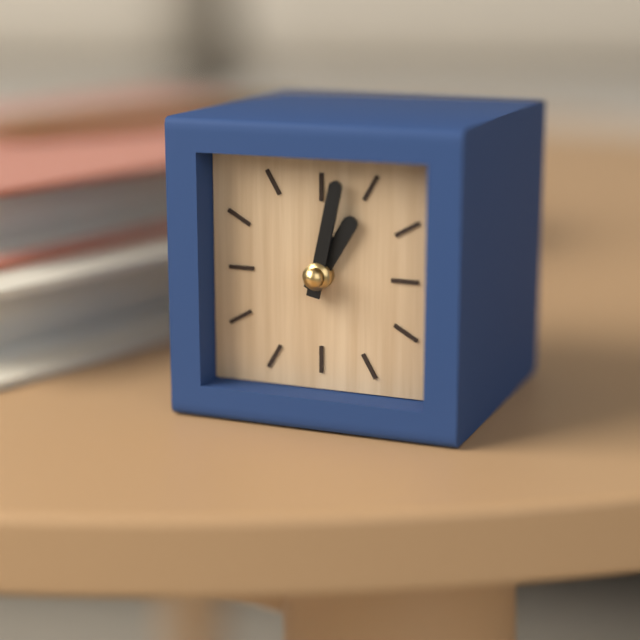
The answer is 1,02
